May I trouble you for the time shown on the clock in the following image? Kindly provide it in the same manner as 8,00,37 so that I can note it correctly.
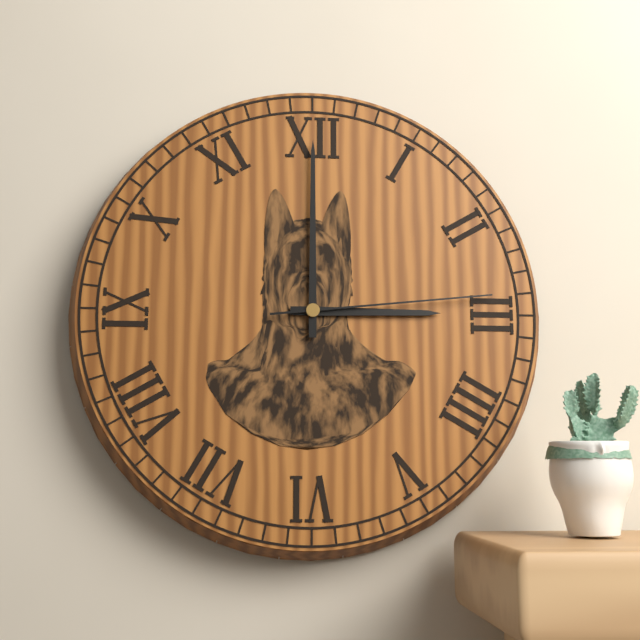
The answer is 3,00,14
